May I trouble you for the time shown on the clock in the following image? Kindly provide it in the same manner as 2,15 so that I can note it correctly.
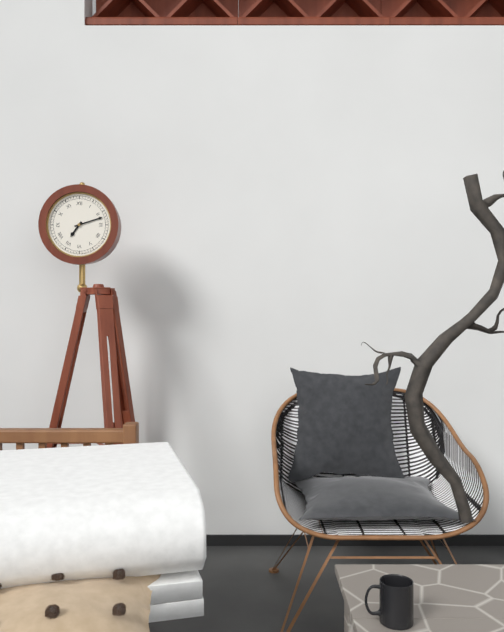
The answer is 7,12
